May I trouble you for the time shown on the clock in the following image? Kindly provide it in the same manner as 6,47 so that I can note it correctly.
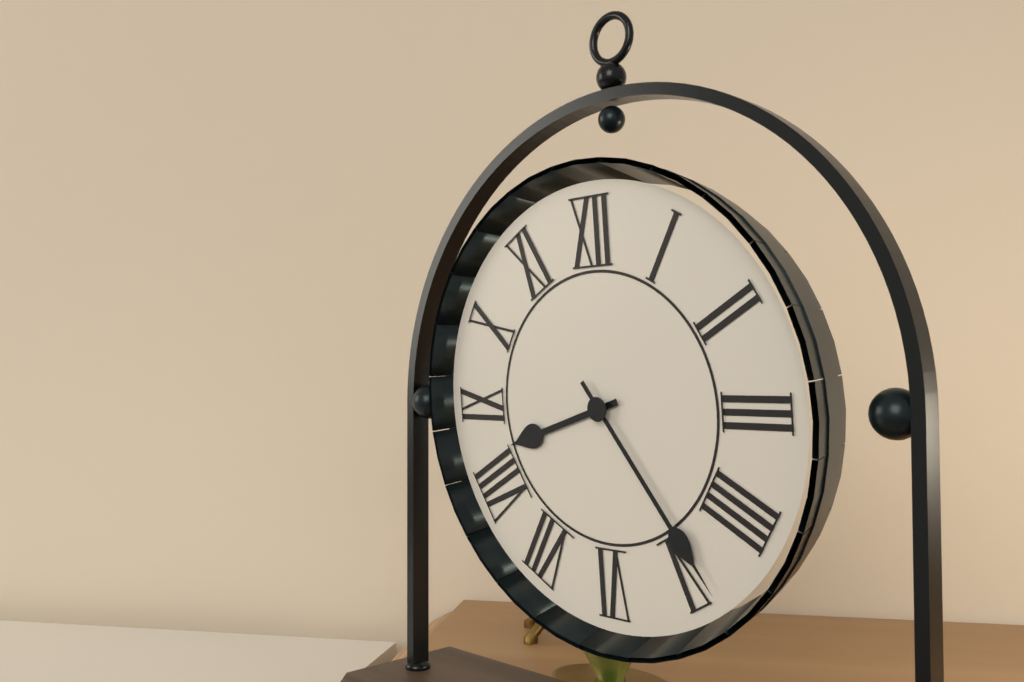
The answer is 8,24
